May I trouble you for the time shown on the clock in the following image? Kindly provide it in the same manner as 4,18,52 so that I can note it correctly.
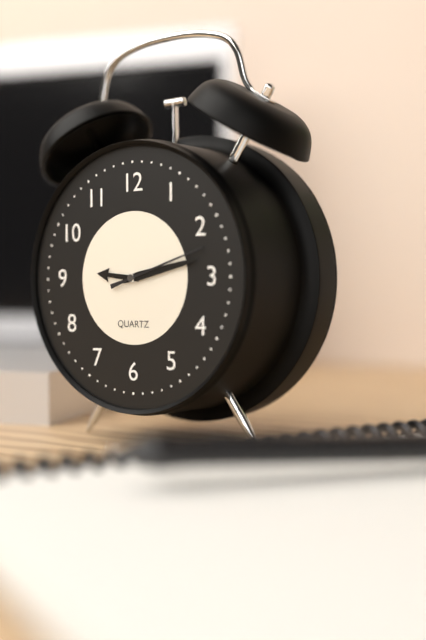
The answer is 9,13,12
